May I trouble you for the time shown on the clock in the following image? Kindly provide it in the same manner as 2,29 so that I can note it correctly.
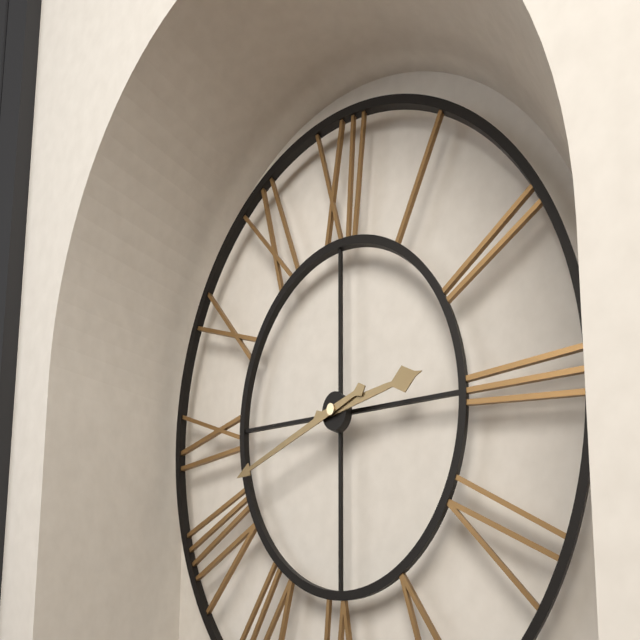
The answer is 2,42
